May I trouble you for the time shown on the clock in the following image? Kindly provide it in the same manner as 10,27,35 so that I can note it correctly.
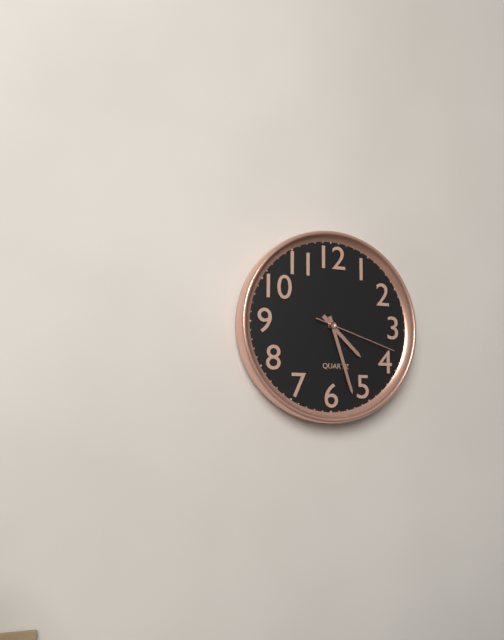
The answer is 4,27,18
